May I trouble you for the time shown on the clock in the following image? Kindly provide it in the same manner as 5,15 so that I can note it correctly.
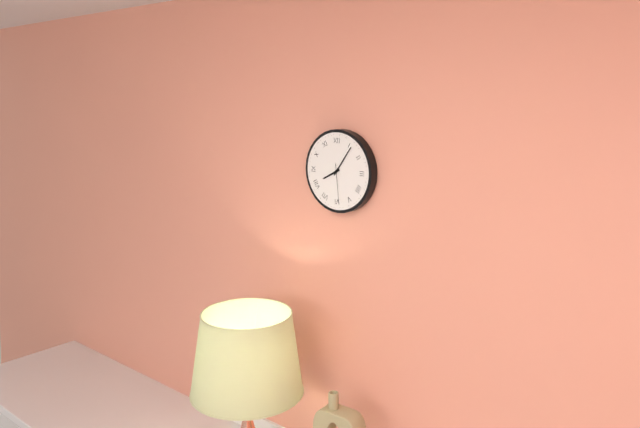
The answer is 8,06
